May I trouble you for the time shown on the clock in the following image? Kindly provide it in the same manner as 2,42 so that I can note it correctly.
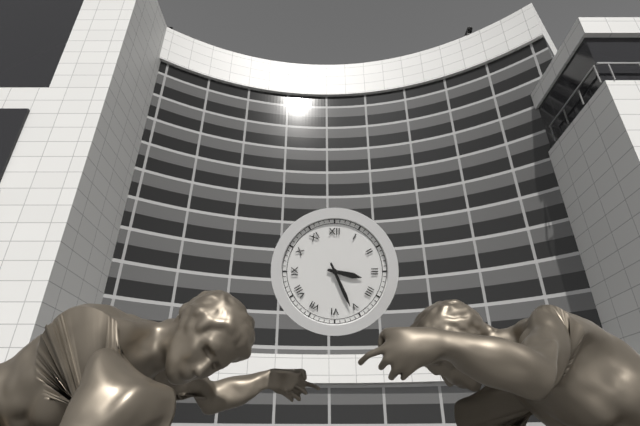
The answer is 3,26
